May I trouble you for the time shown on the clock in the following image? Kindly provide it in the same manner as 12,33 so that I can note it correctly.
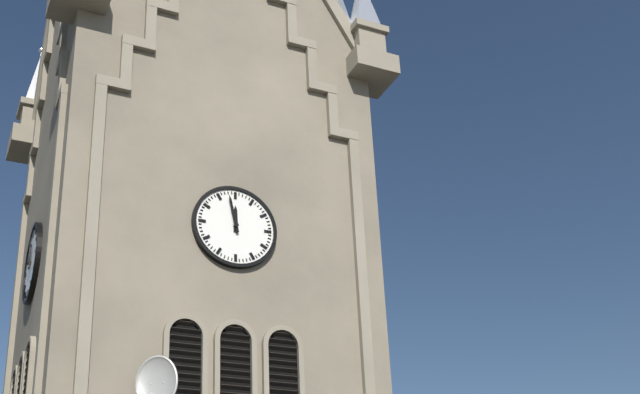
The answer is 11,58
